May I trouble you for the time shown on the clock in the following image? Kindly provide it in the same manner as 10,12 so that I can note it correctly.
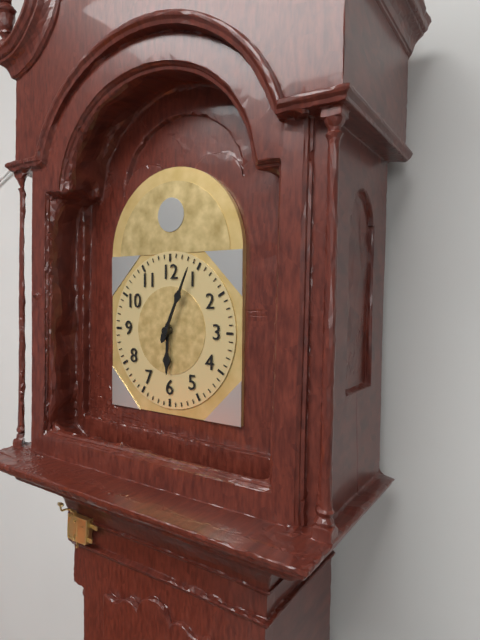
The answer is 6,04
